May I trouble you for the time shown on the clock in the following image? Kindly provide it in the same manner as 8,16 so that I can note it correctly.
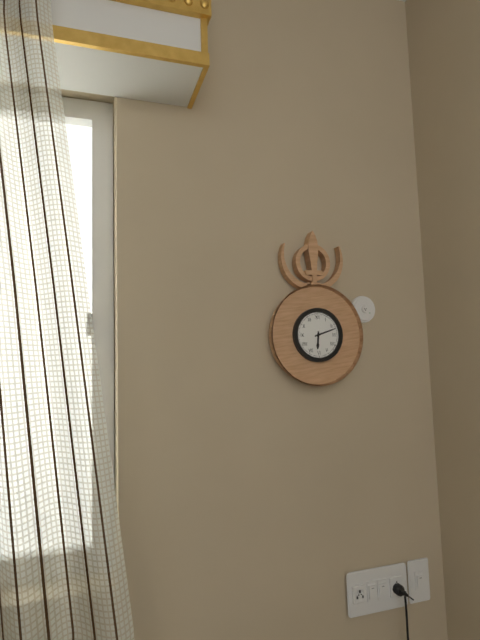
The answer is 6,12
